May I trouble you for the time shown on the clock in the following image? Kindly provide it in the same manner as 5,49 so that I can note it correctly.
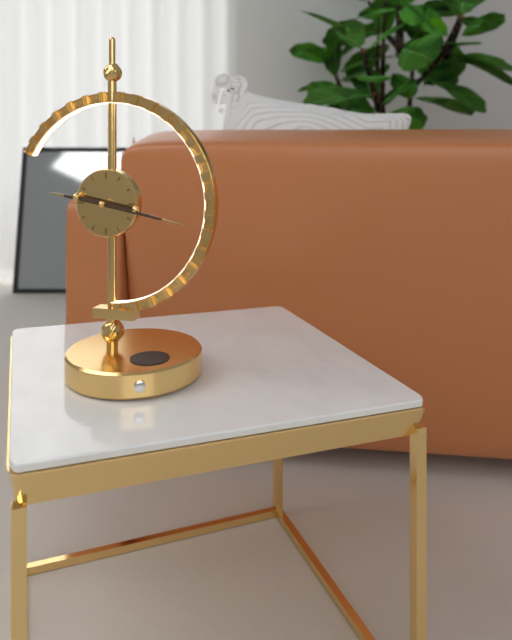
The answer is 9,17
